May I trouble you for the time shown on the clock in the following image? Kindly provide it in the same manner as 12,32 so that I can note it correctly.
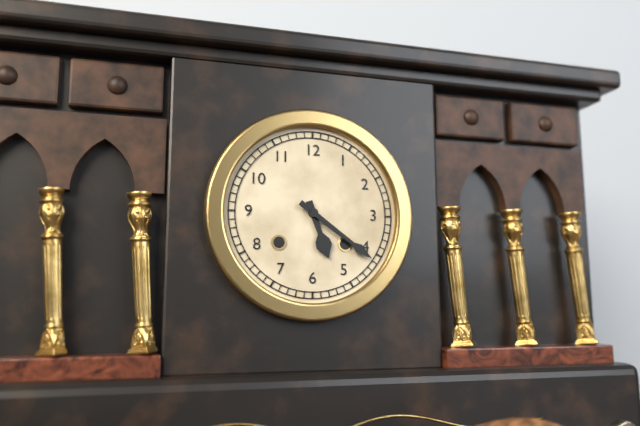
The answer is 5,21
